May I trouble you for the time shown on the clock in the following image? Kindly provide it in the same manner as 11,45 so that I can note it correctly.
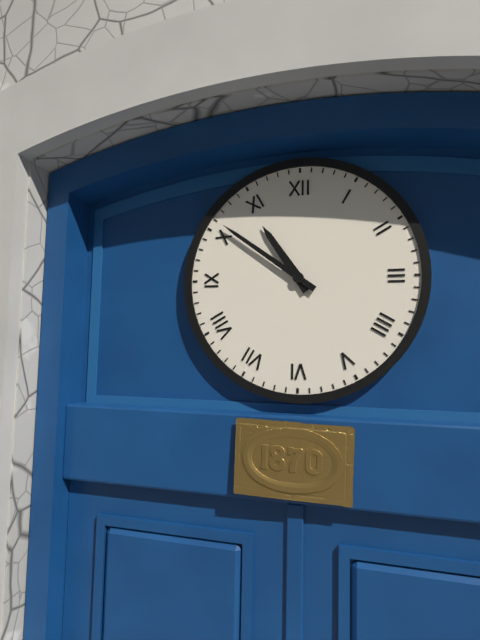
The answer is 10,51
